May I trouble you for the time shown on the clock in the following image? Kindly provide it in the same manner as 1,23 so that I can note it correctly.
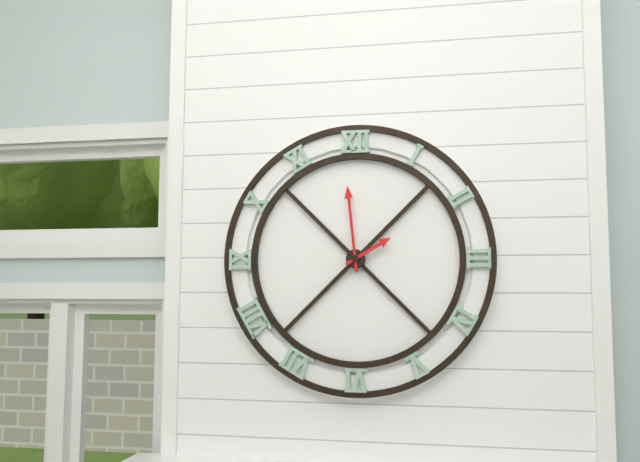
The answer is 1,59
